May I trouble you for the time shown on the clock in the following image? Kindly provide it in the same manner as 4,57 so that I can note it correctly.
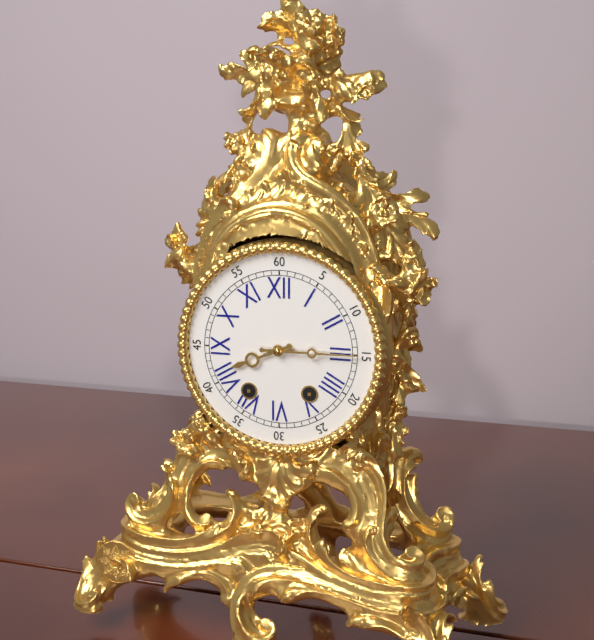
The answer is 8,15
